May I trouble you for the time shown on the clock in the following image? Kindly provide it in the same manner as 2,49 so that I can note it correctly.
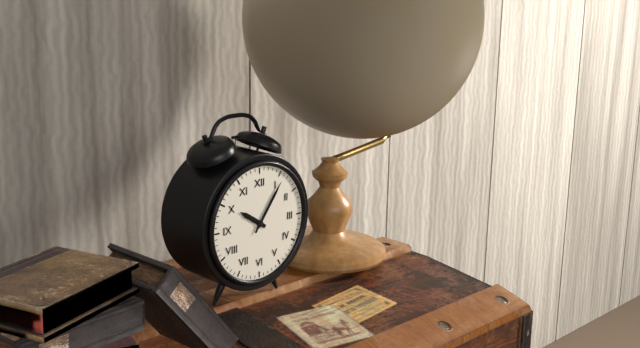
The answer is 10,06
